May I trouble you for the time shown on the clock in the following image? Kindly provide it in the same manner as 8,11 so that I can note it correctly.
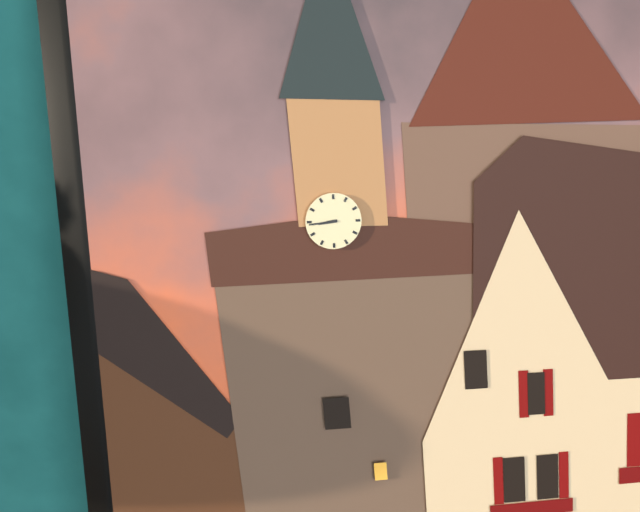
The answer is 8,44
